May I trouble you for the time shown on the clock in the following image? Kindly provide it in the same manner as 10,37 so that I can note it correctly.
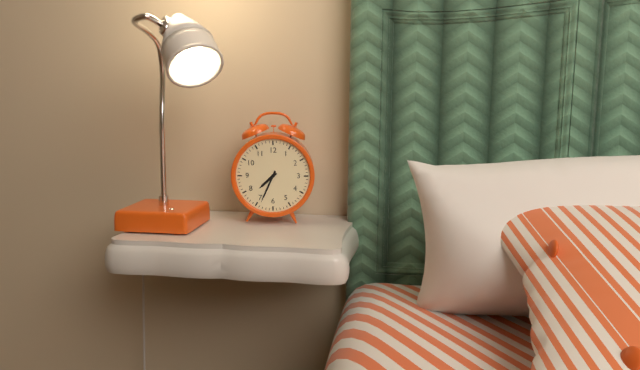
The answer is 7,34
